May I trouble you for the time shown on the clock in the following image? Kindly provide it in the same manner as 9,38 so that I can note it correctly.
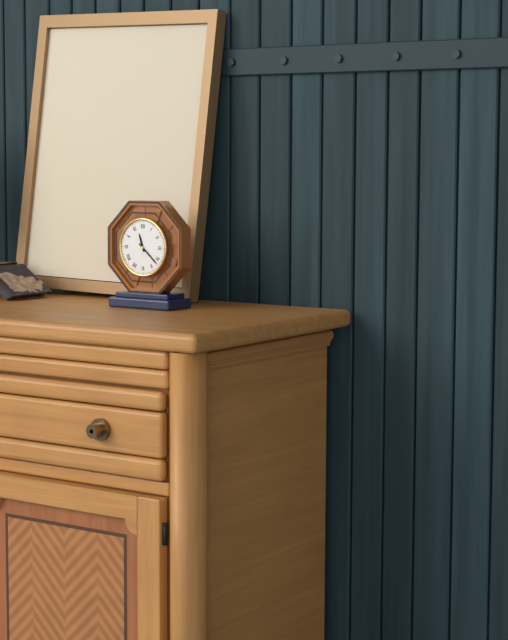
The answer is 11,22
